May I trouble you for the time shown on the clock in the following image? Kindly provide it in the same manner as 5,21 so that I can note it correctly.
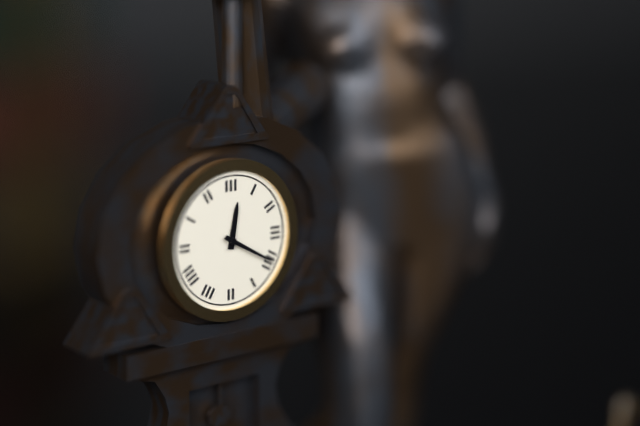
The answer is 12,20
